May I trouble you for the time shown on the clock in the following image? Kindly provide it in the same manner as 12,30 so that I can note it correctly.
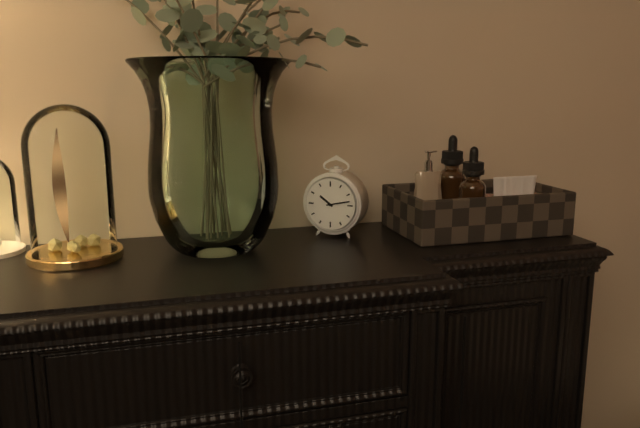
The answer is 10,13
